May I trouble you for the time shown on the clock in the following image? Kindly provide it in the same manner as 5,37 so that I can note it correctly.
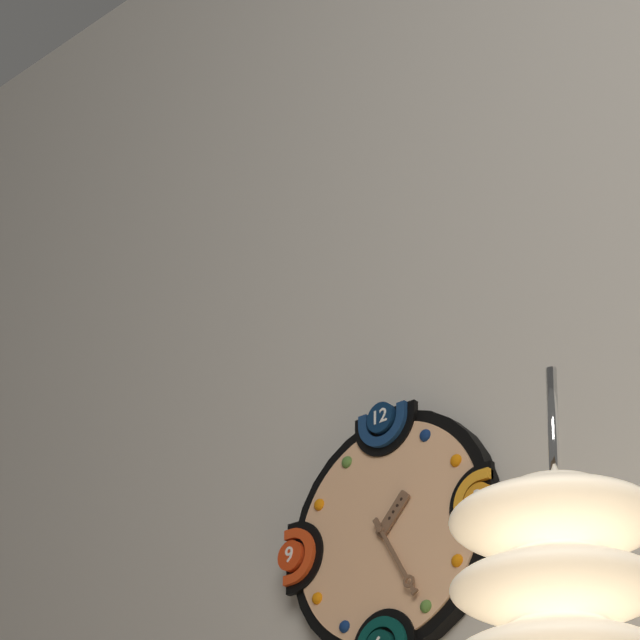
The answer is 1,25
